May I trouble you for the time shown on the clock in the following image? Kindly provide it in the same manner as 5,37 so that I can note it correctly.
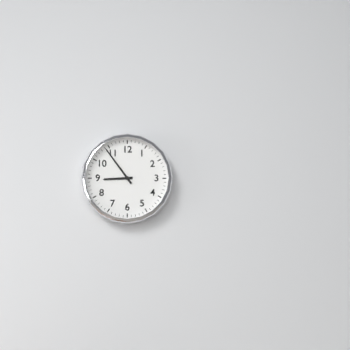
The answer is 8,54
